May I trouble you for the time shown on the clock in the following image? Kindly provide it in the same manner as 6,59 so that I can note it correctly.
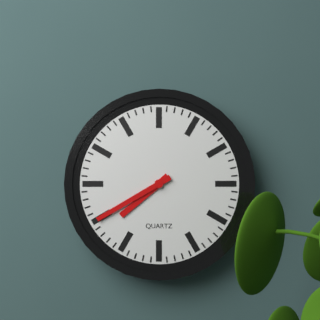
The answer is 7,40
